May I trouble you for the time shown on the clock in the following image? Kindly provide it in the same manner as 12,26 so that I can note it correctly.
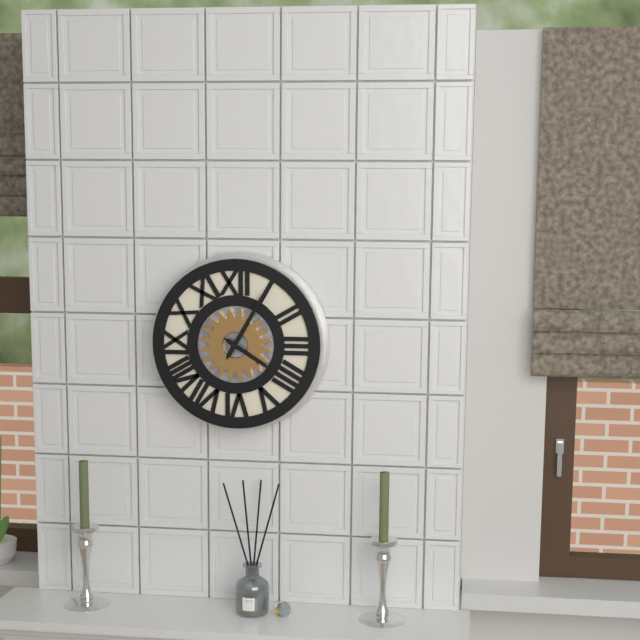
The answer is 4,05
